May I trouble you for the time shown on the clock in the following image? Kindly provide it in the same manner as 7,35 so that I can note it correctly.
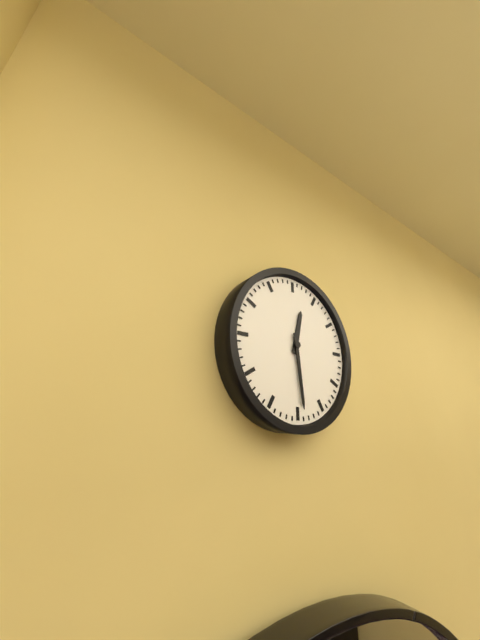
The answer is 12,29
